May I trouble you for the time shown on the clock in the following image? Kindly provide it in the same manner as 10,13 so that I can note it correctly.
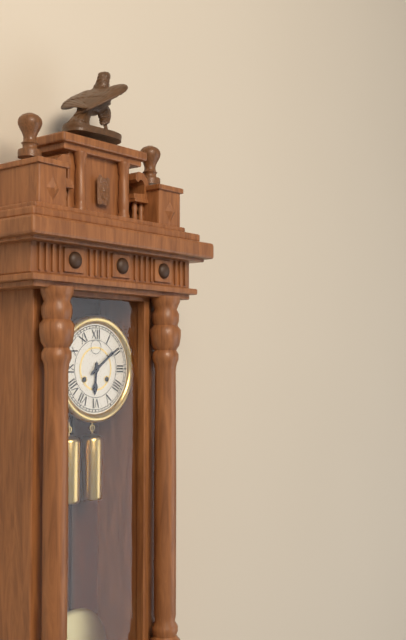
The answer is 6,09
